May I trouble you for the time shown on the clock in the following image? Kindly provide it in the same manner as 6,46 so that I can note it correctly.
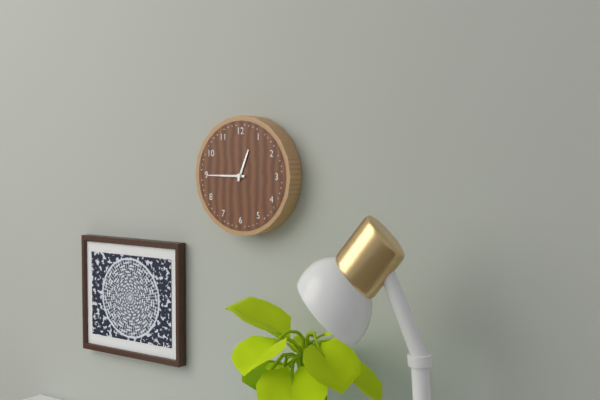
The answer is 12,45
